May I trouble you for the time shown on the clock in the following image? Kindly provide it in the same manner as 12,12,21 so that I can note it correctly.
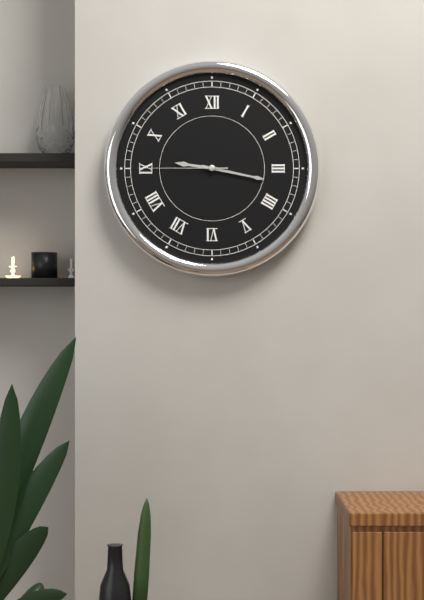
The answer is 9,17,45
